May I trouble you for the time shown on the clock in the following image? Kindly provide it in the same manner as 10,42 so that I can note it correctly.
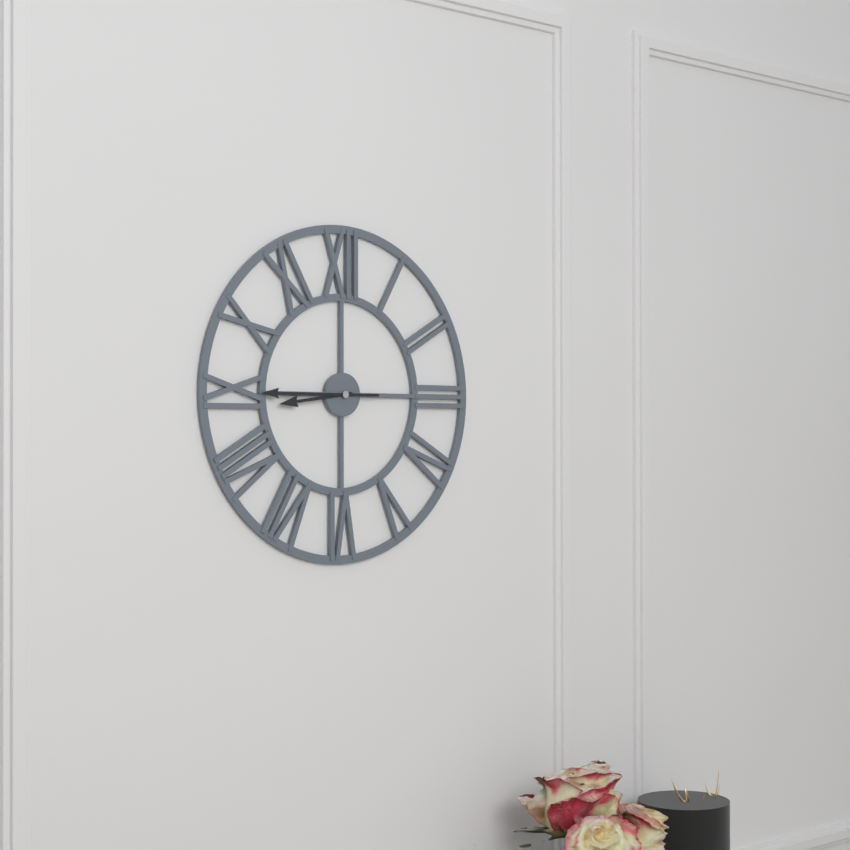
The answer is 8,45
